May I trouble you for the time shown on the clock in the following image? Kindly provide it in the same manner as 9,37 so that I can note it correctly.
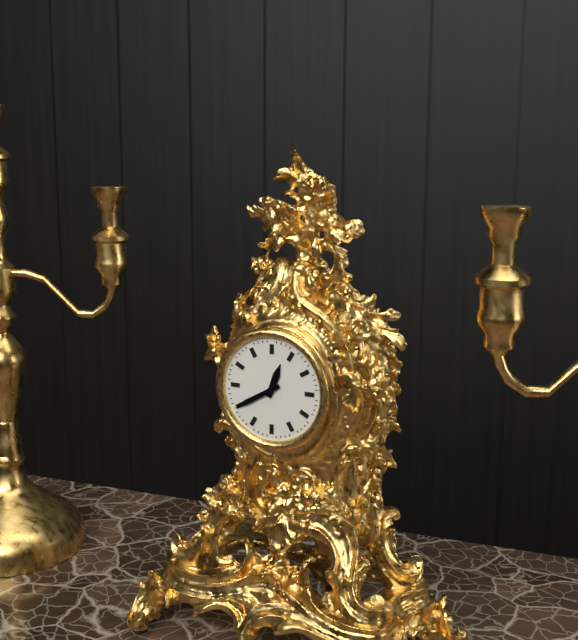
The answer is 12,40
